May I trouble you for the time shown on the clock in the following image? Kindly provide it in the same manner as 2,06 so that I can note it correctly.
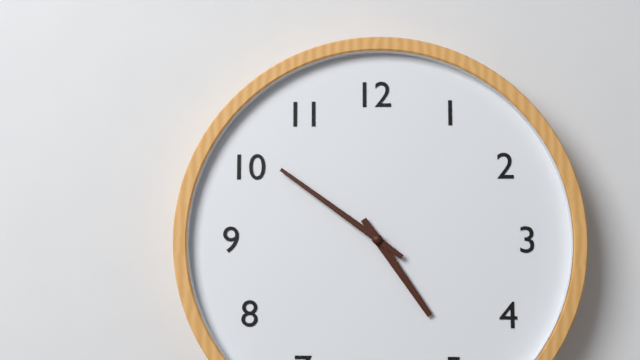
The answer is 4,51
